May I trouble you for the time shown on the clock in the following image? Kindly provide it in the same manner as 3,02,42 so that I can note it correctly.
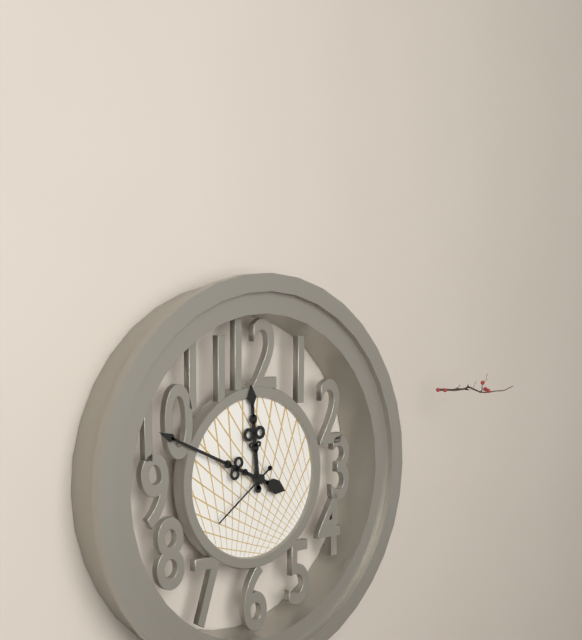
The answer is 11,49,39
